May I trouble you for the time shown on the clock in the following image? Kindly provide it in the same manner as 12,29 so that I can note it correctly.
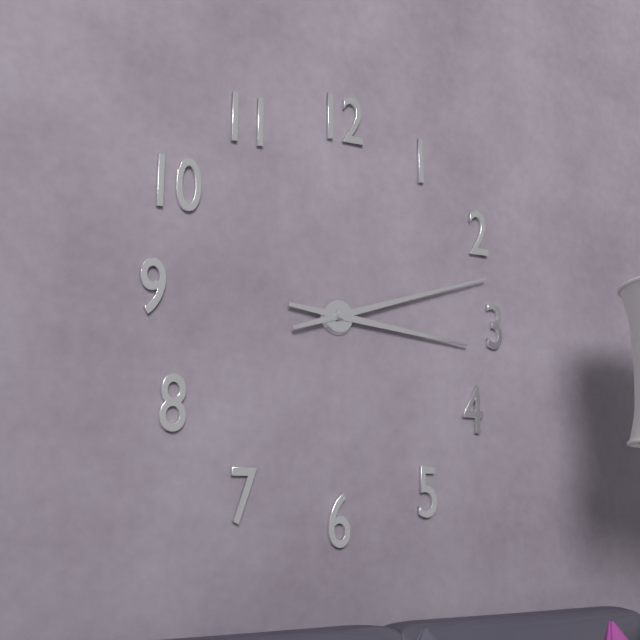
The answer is 3,12
